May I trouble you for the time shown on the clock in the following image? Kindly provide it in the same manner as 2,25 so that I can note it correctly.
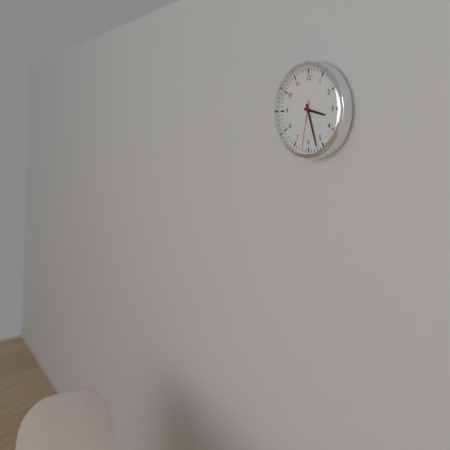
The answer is 3,27
